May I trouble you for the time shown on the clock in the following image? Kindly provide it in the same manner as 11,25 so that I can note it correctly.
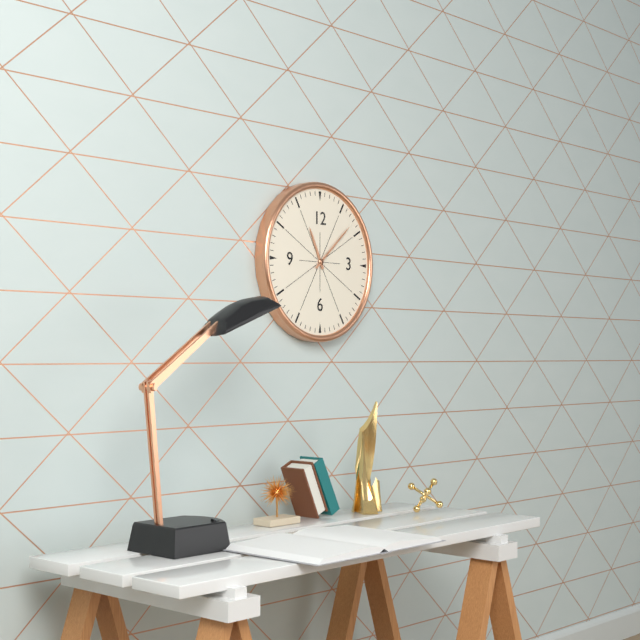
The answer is 11,08
